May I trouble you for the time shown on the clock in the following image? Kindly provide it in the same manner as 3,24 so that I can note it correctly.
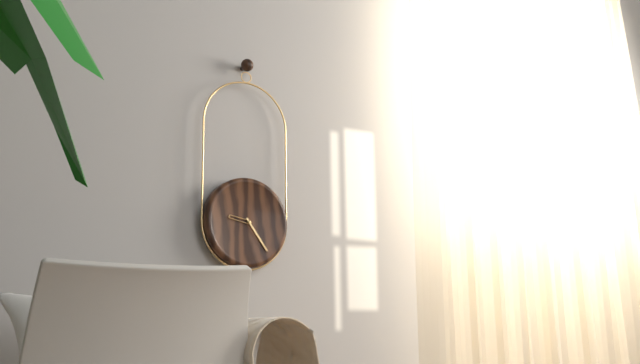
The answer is 9,24
